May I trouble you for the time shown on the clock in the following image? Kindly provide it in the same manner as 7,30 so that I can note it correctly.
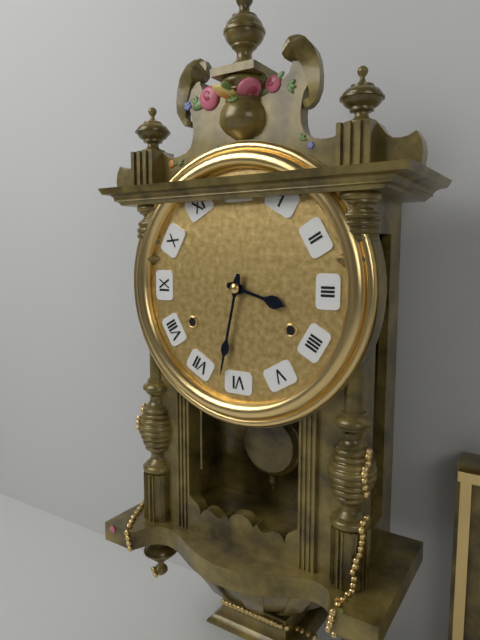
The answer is 3,32
